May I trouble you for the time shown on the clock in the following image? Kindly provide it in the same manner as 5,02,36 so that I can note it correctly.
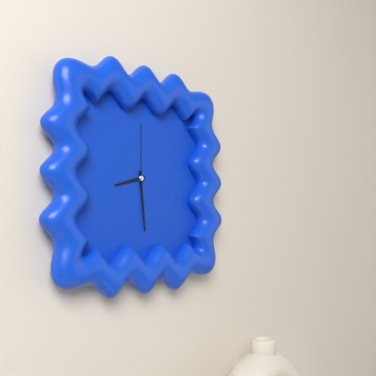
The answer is 8,29,00
